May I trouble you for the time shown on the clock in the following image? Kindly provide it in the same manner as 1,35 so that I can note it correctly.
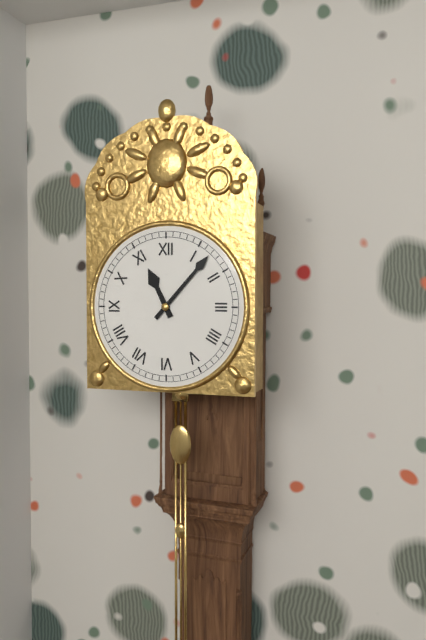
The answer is 11,07
